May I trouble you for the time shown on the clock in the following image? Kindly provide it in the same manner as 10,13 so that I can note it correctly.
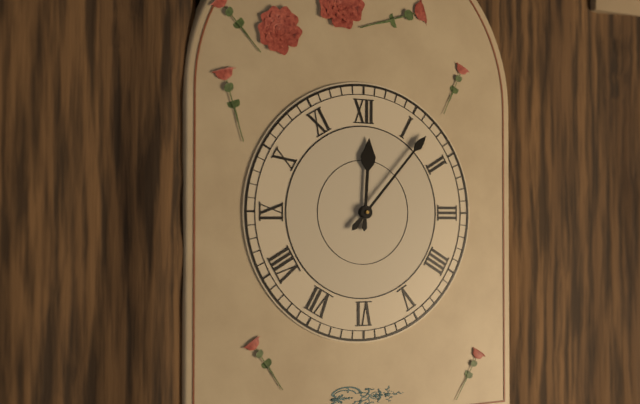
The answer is 12,07
